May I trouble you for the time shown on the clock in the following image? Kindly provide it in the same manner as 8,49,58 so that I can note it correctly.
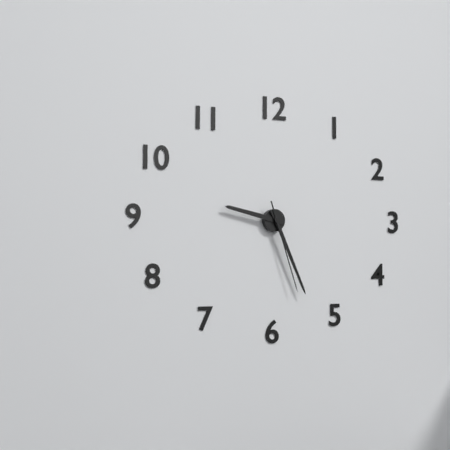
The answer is 9,26,27
